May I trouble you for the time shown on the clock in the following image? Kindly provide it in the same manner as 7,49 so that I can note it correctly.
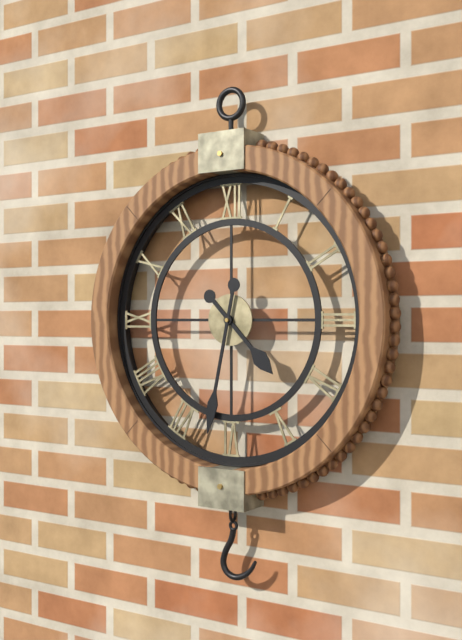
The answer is 4,32
